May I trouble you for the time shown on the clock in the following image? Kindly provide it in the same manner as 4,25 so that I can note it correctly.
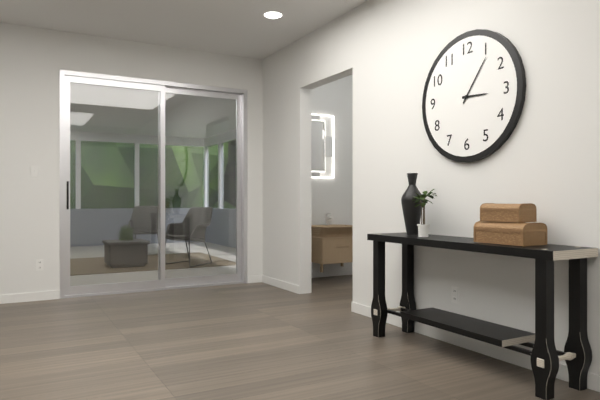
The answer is 3,06
